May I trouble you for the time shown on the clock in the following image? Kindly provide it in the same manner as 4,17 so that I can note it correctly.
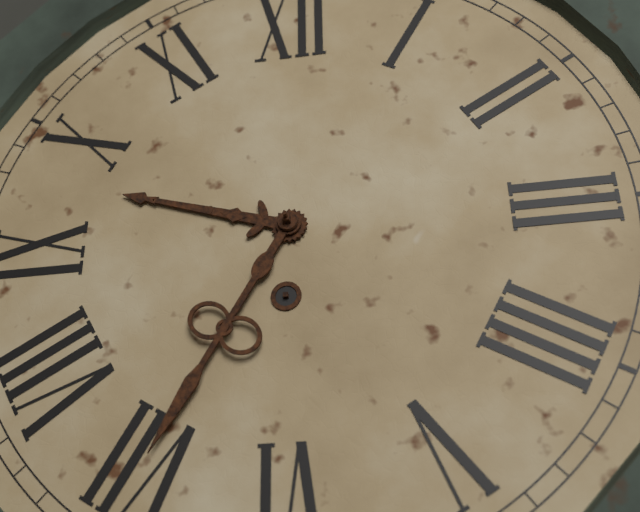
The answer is 9,35
